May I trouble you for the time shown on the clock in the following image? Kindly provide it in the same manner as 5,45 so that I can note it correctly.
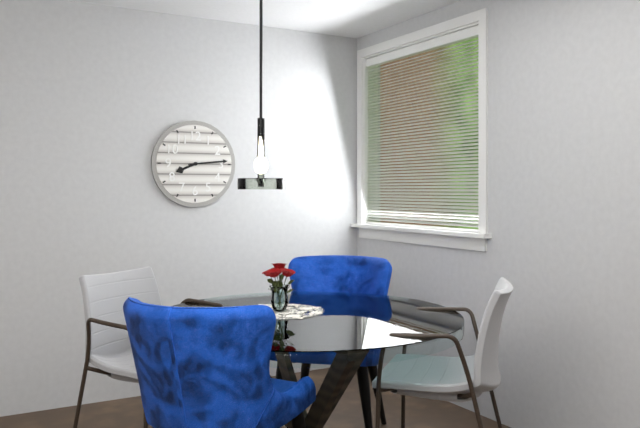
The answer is 8,14
